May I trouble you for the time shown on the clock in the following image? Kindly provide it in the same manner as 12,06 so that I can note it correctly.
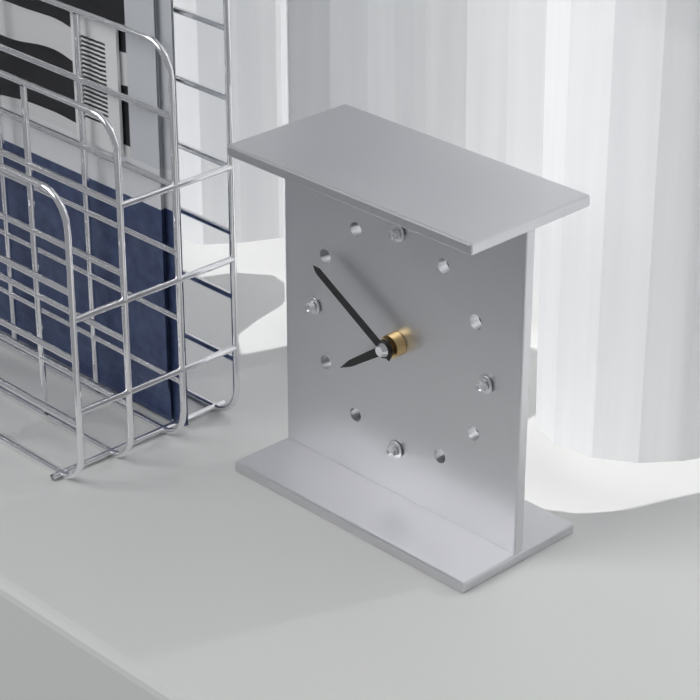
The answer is 7,50
